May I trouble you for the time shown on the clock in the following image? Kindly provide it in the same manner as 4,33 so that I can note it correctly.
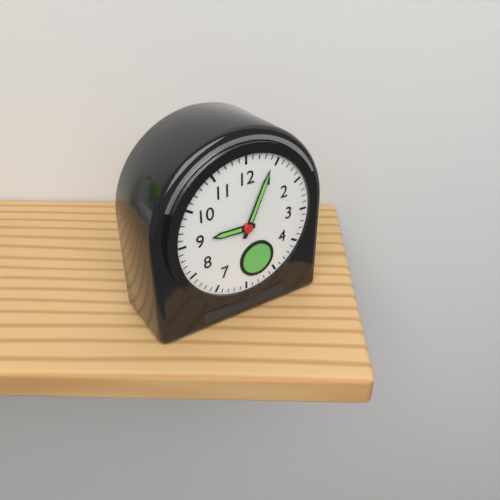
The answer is 9,04
